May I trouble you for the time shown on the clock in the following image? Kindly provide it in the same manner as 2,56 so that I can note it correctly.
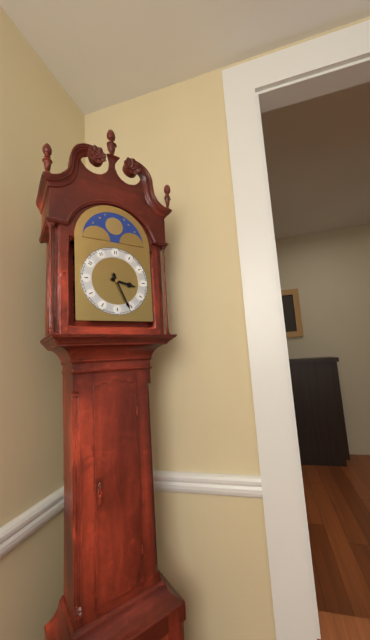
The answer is 3,26
